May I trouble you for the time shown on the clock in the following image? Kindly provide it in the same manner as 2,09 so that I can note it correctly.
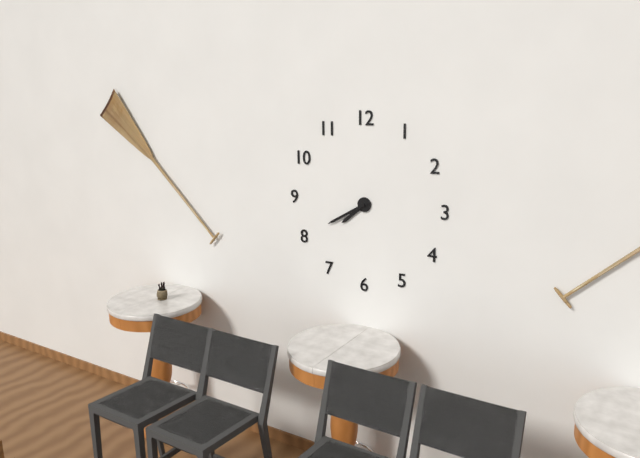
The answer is 7,40
